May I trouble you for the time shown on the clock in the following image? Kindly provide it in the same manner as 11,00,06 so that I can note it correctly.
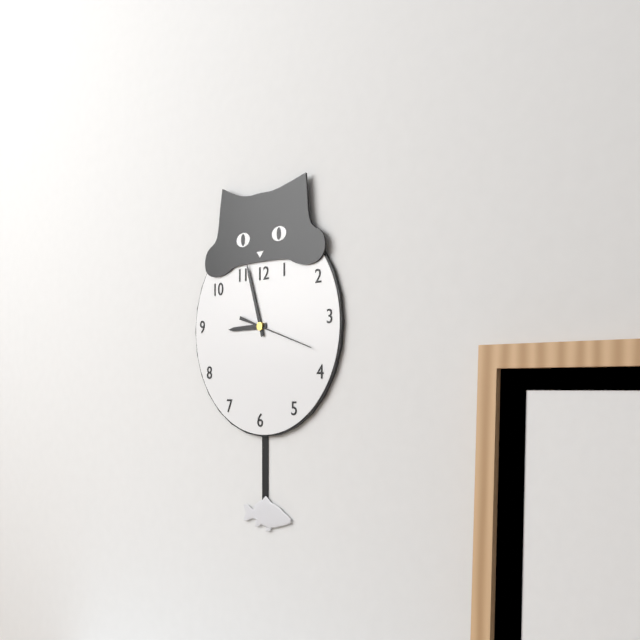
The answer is 8,57,18
